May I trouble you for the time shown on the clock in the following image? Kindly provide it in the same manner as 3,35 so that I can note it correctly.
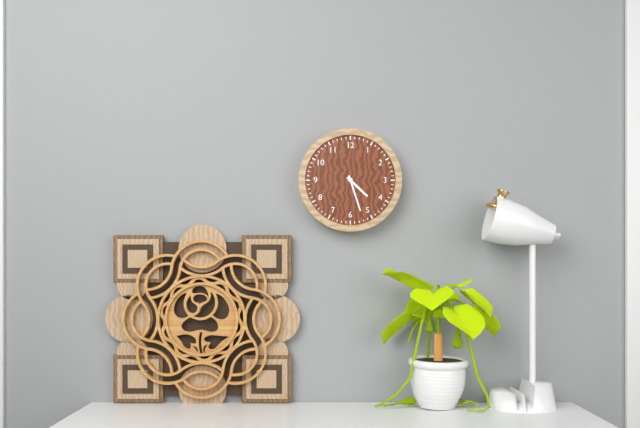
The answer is 4,27
